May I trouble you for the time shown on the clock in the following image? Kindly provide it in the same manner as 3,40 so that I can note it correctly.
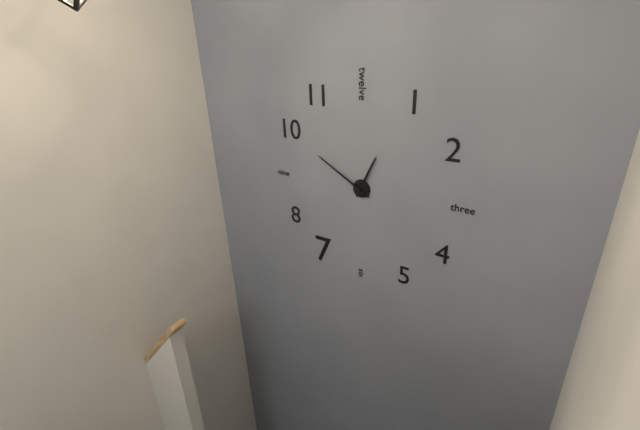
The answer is 12,50
